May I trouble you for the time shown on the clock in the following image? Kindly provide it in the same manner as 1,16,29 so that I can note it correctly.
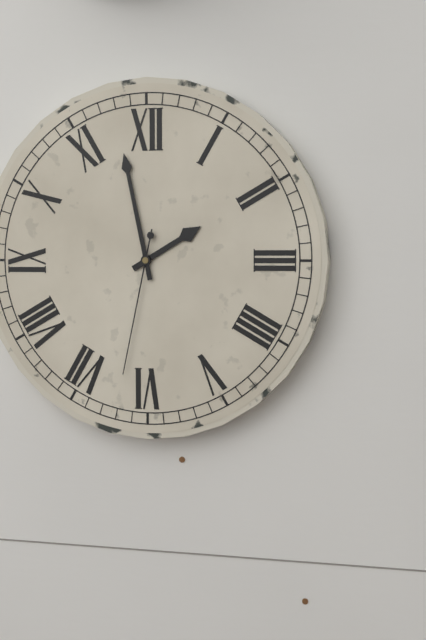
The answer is 1,58,32
